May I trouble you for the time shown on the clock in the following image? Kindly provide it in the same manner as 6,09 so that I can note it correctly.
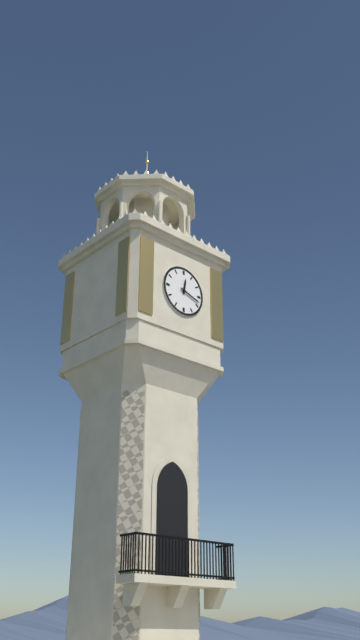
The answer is 12,18
